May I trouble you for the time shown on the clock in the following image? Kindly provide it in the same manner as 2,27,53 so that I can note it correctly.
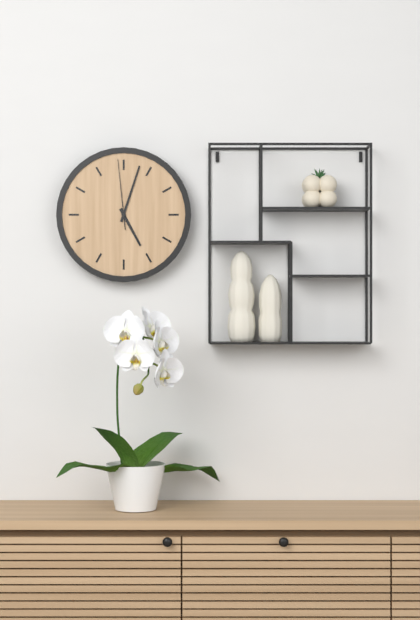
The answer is 5,03,59
